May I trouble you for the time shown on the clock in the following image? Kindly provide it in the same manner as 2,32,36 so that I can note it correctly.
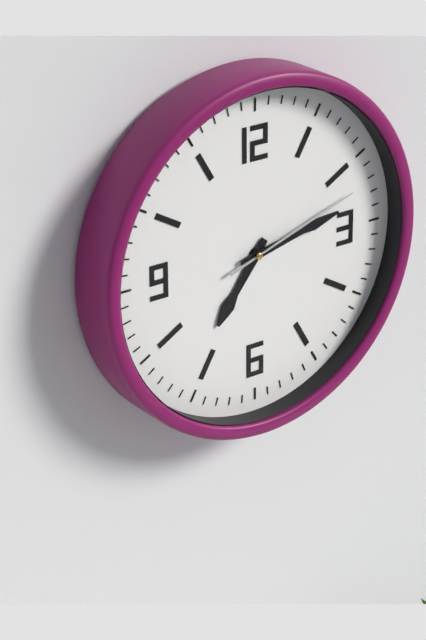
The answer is 7,13,12
